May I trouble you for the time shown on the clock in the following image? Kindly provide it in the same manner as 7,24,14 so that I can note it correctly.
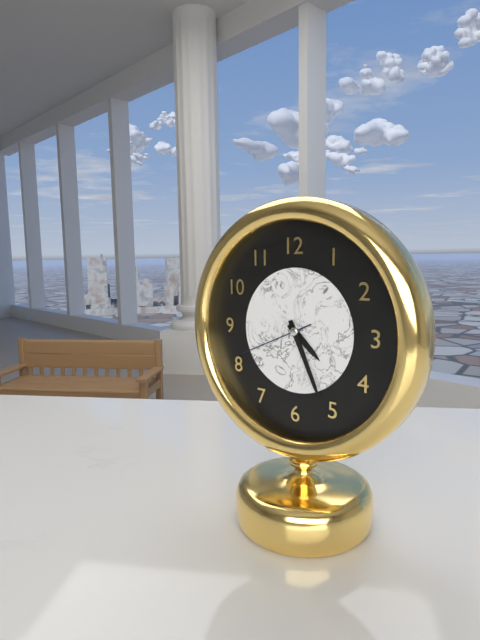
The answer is 4,26,41
